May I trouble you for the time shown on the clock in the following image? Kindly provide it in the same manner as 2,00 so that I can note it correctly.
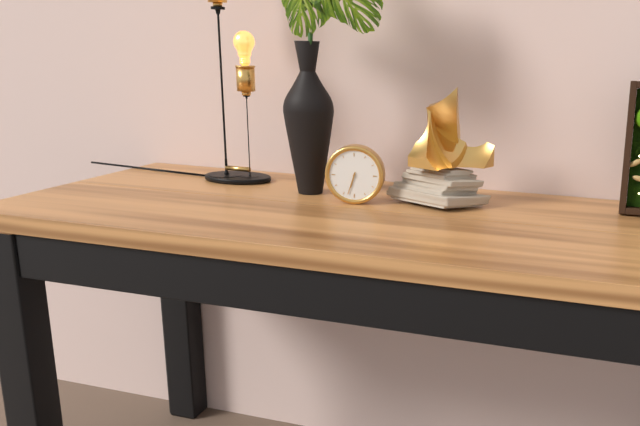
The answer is 6,33
